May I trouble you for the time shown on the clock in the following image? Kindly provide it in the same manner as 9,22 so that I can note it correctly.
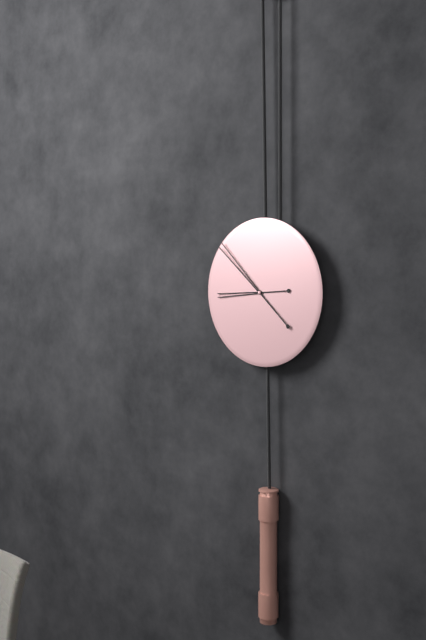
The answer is 8,52
